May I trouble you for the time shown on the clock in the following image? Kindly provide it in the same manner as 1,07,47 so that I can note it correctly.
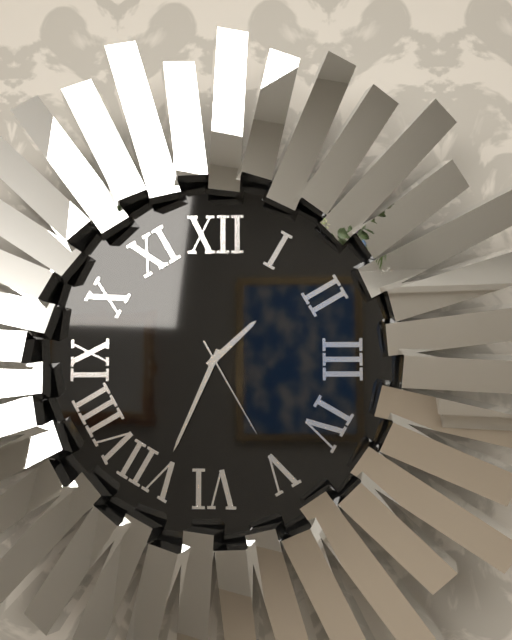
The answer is 1,34,25
